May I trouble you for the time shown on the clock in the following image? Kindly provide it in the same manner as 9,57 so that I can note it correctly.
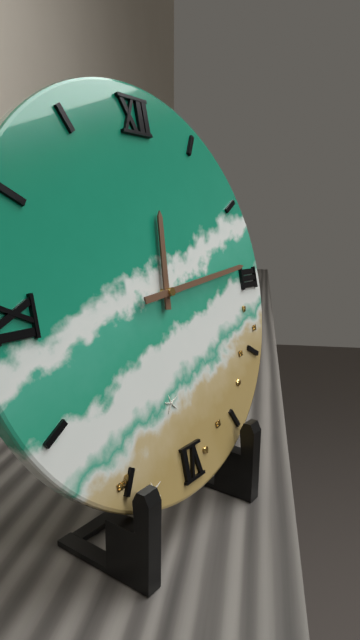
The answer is 12,14
